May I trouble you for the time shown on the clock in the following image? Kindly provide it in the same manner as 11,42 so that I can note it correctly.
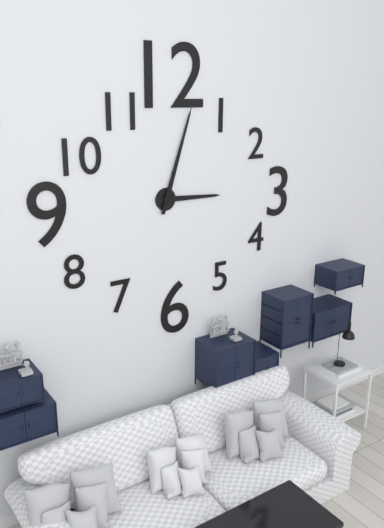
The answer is 3,03
